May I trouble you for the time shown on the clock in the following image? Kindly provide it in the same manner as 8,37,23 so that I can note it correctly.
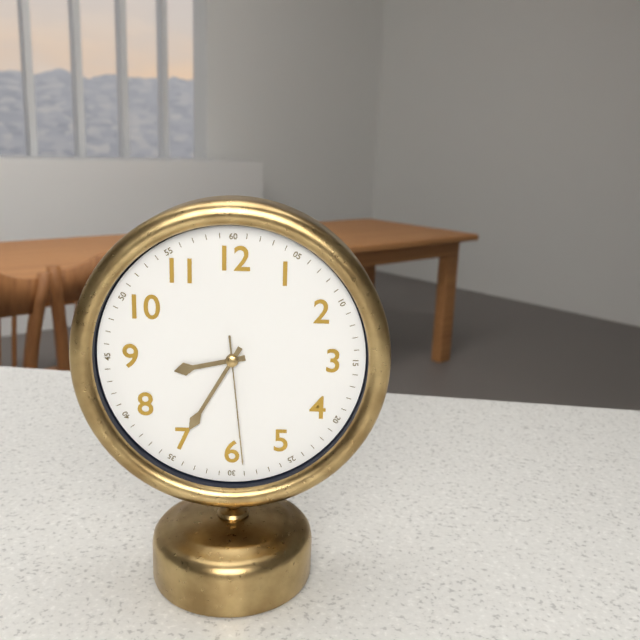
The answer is 8,35,29
